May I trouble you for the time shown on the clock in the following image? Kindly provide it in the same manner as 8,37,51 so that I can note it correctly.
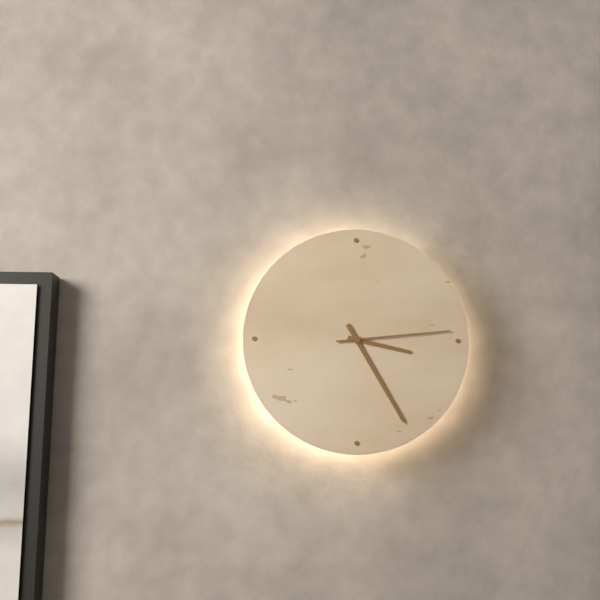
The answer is 3,25,14
